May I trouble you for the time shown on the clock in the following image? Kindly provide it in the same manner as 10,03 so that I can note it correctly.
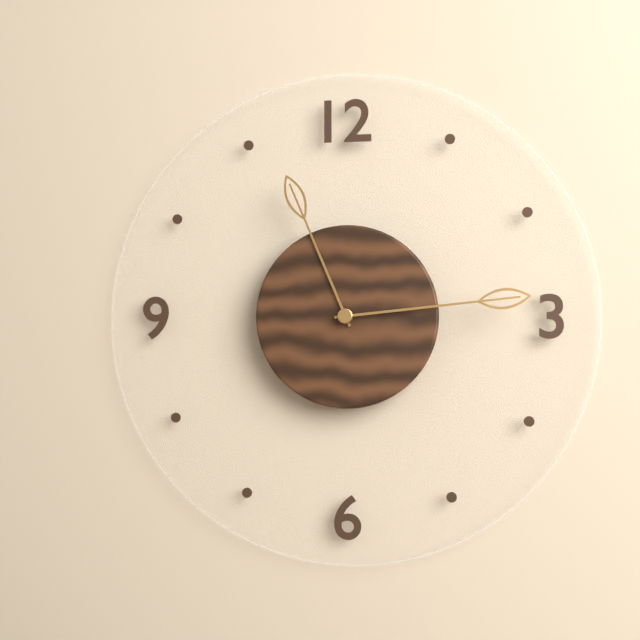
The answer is 11,14
